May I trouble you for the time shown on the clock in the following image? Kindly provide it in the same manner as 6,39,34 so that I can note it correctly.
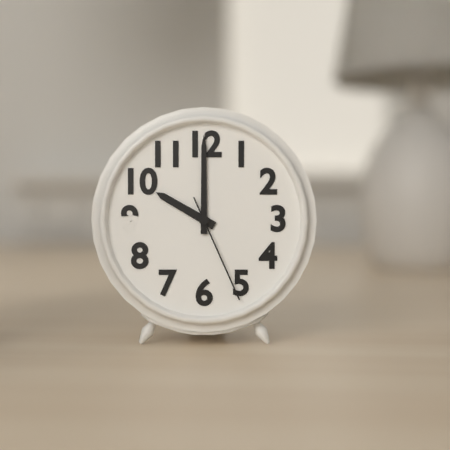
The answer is 10,00,26
